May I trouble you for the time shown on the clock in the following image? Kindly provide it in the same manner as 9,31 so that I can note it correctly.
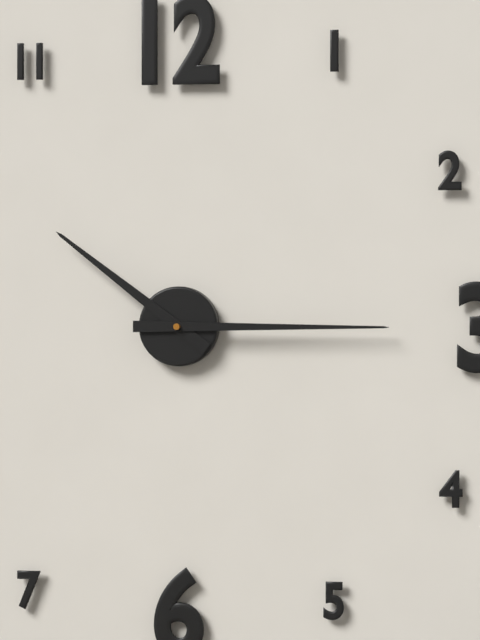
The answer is 10,15
